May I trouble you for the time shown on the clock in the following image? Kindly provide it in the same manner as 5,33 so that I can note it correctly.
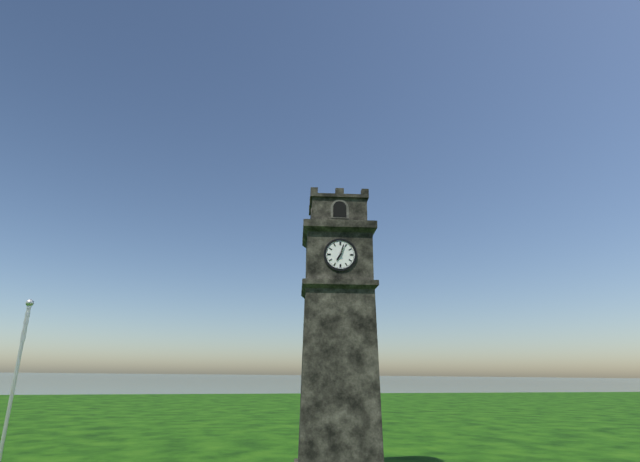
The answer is 7,03
